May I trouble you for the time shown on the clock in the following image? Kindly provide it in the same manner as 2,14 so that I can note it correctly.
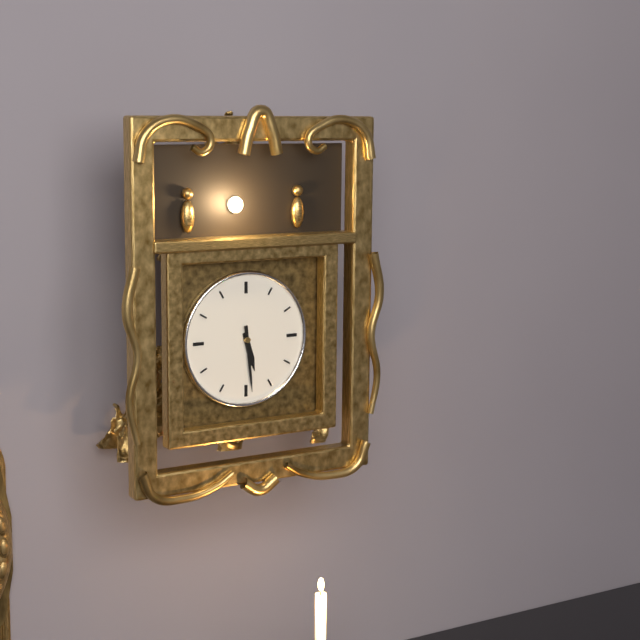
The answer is 5,29
